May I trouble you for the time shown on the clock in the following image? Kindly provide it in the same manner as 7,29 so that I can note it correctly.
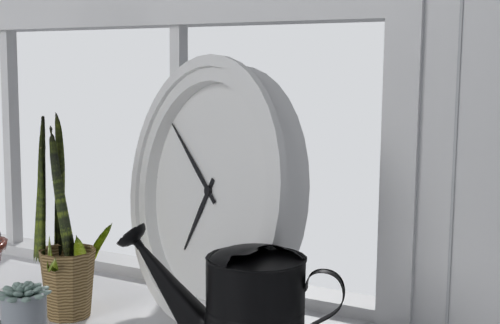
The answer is 6,51
